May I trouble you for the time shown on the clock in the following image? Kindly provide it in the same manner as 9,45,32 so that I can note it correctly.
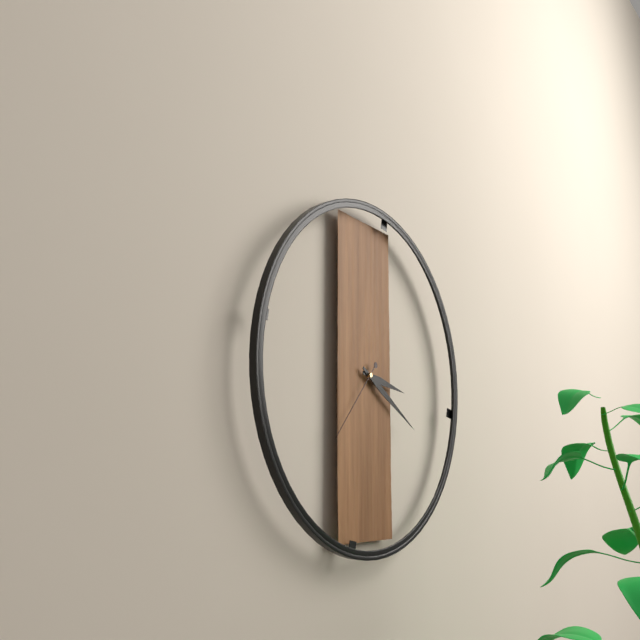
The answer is 3,20,37
